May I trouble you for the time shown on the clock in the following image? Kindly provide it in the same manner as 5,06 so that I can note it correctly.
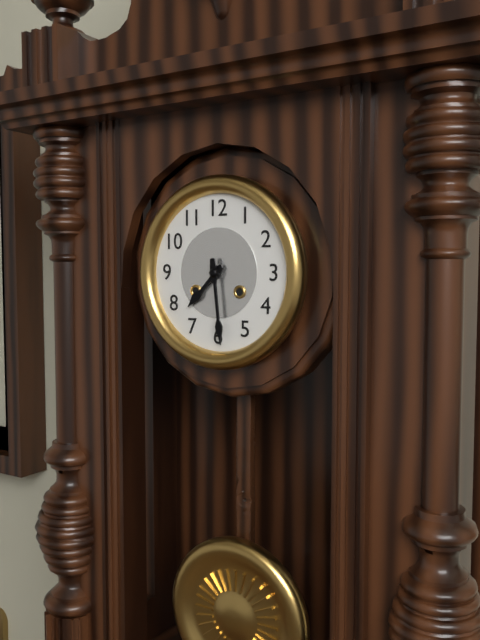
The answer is 7,29
